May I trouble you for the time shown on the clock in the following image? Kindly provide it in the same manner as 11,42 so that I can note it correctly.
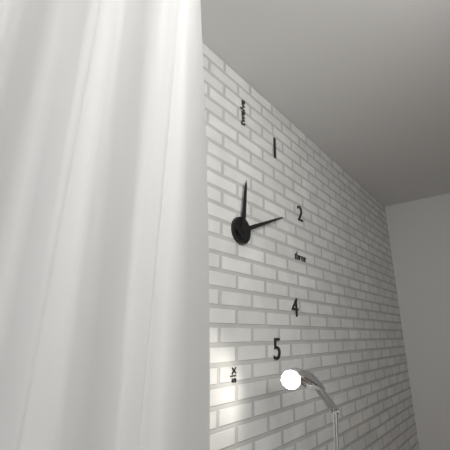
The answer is 12,11
